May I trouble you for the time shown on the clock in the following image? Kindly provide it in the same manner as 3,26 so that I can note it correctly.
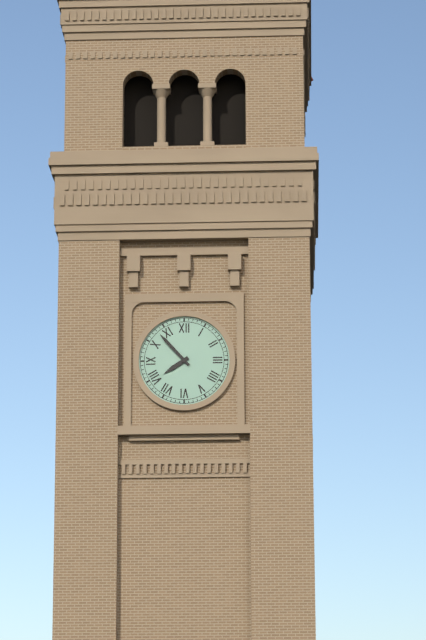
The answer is 7,53
